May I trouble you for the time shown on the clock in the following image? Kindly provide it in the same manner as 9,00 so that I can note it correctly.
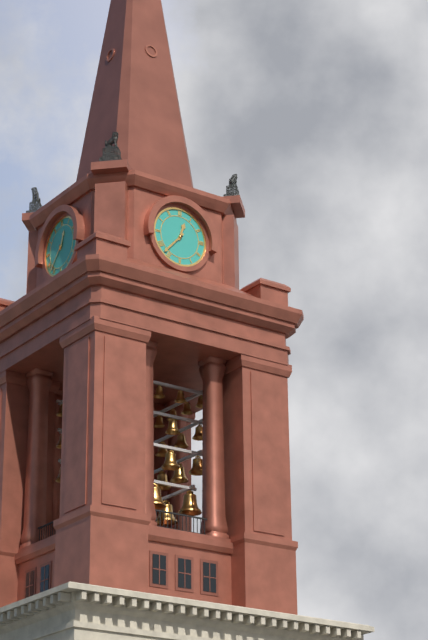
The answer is 12,37
